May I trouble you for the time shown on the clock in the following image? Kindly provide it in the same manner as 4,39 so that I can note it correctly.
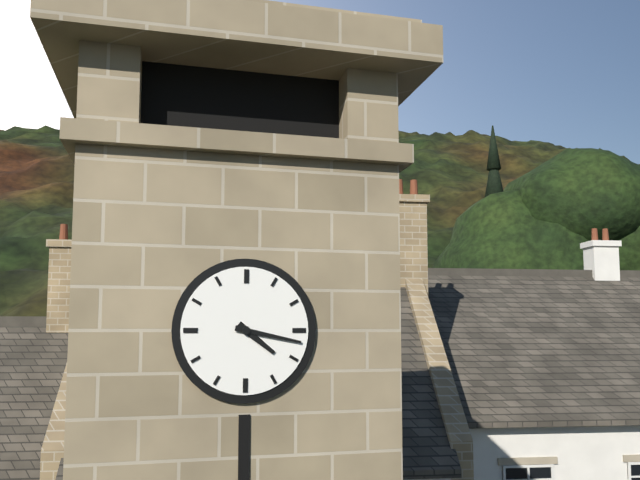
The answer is 4,17
